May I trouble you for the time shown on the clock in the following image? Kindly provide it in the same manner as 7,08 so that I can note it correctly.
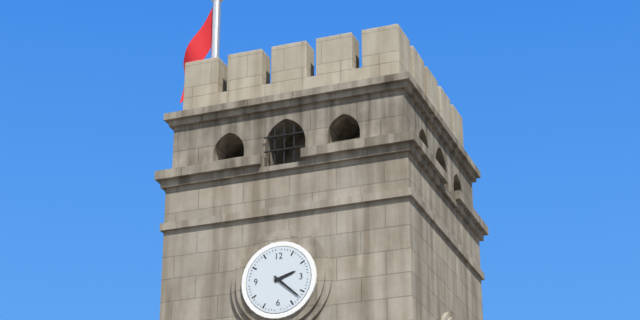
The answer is 2,22
